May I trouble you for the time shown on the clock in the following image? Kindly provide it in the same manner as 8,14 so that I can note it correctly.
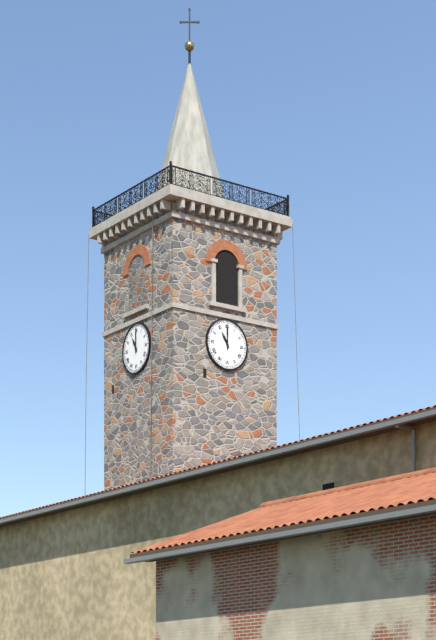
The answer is 11,00
